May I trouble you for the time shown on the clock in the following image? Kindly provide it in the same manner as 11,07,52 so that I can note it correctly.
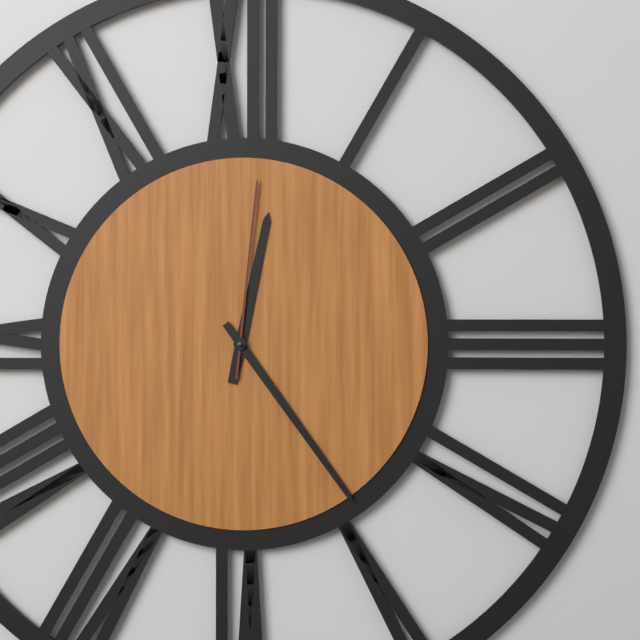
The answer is 12,24,01
